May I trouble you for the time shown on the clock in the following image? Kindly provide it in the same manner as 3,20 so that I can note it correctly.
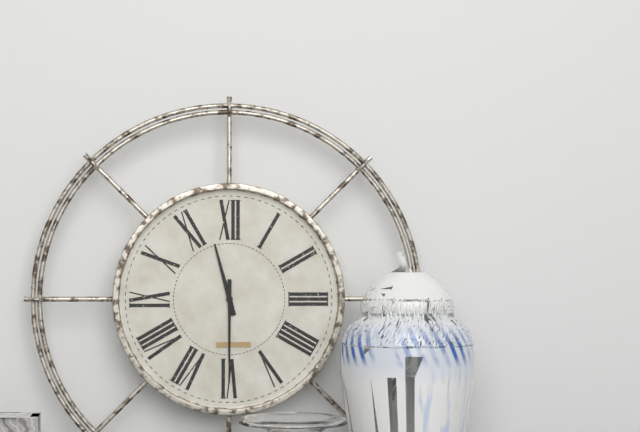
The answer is 11,30
